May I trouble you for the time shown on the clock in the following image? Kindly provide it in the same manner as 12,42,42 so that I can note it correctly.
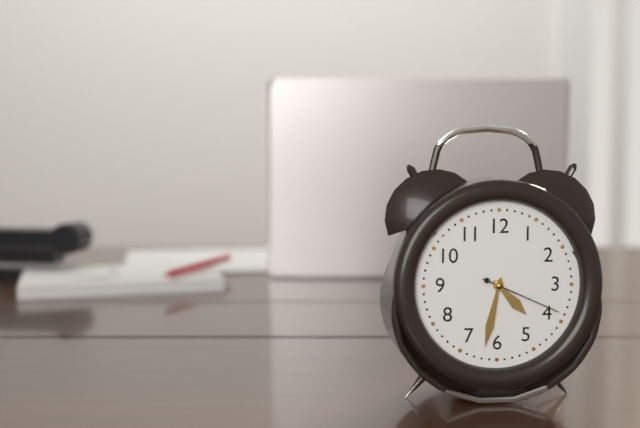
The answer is 4,32,19
